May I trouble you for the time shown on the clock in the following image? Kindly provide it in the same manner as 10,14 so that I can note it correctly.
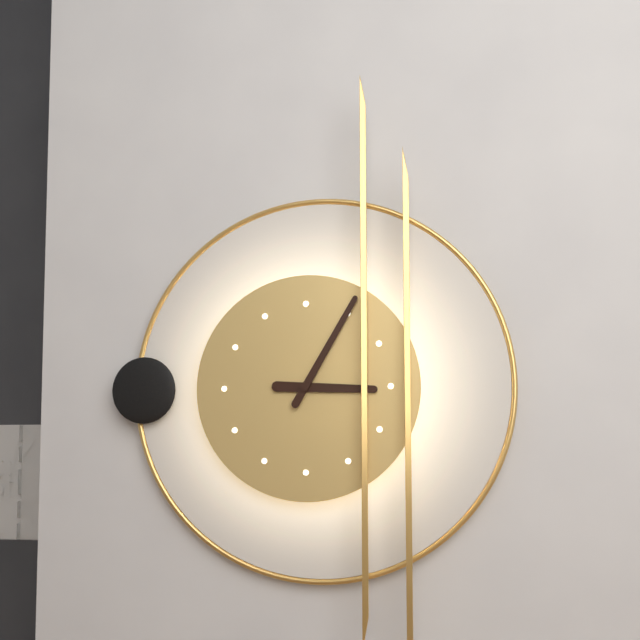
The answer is 3,05
